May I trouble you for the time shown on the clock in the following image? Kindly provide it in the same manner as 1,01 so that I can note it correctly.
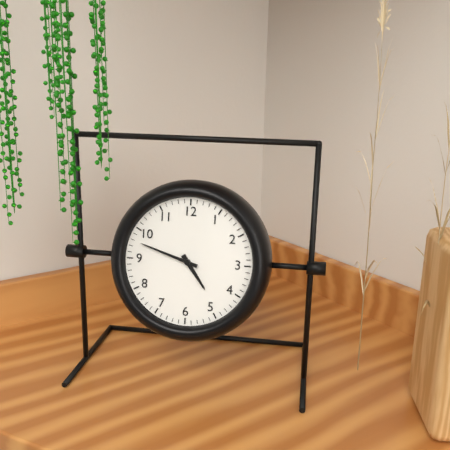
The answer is 4,48
